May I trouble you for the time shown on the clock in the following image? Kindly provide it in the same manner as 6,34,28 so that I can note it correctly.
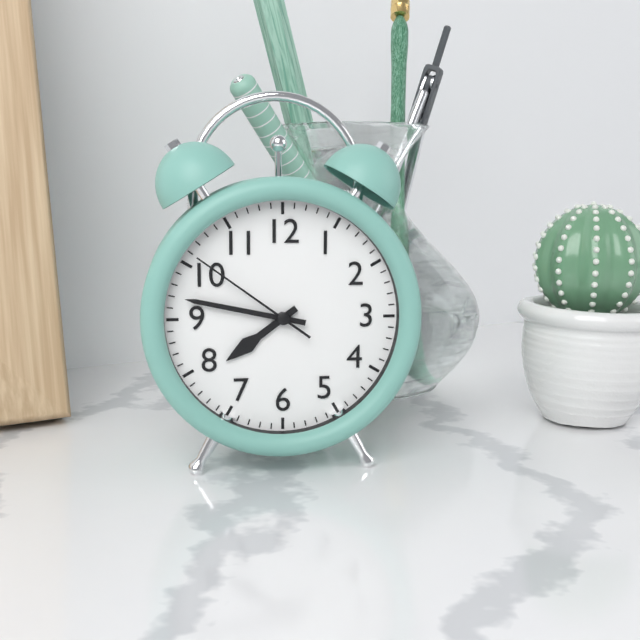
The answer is 7,47,51
